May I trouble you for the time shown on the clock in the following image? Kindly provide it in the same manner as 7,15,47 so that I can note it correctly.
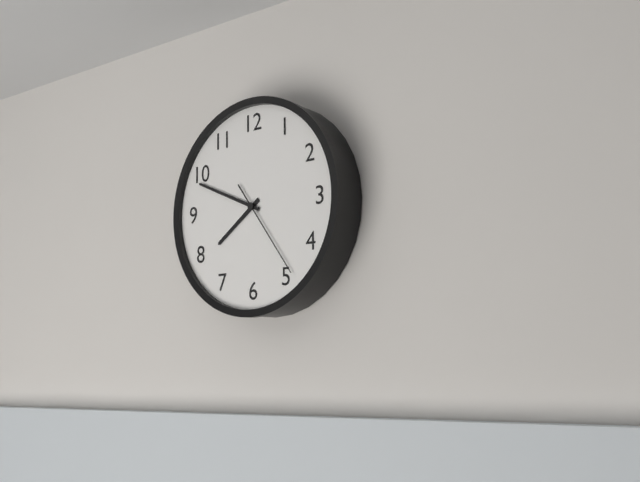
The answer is 7,49,24
